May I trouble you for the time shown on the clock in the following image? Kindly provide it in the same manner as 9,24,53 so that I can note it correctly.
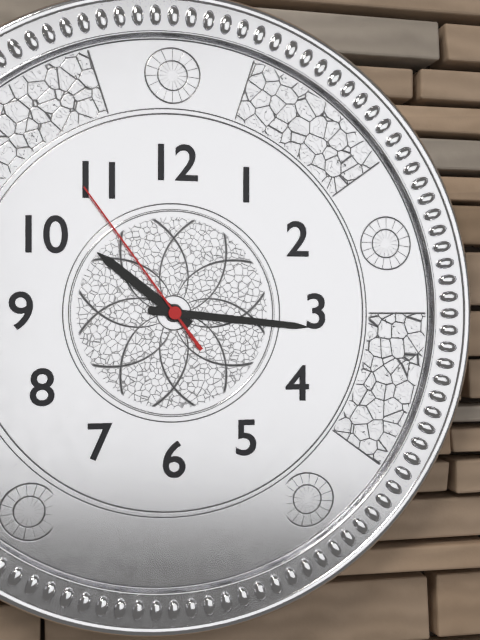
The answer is 10,16,54
